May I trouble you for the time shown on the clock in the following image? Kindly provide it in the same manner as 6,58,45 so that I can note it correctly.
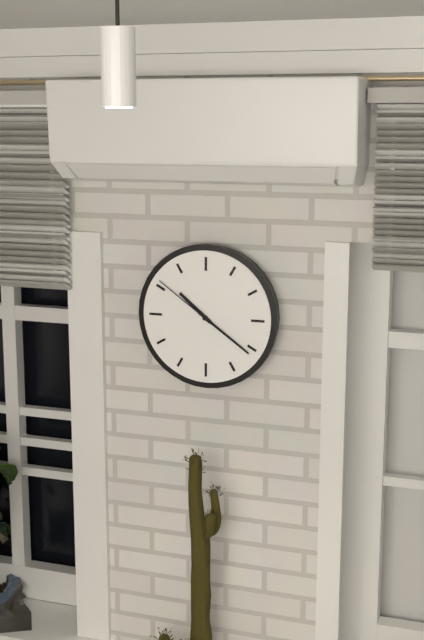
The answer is 10,21,51
